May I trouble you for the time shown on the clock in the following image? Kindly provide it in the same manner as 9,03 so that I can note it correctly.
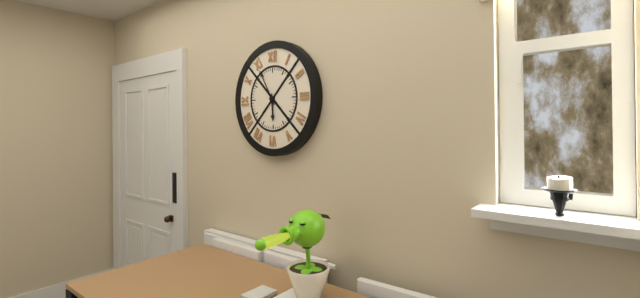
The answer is 5,55
